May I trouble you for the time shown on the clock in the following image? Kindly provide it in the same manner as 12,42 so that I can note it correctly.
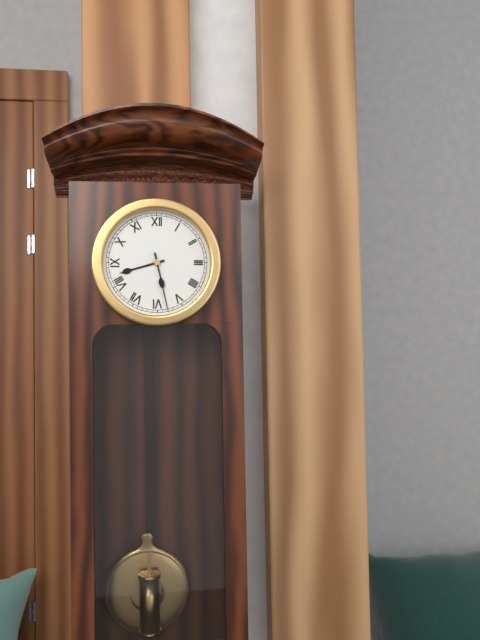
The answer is 8,28
